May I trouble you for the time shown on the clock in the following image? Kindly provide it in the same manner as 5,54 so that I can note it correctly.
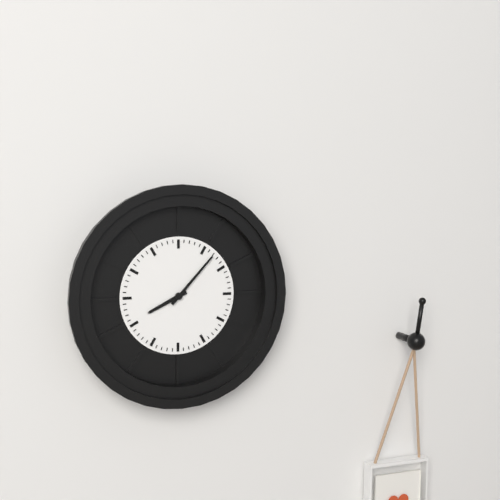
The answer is 8,07
